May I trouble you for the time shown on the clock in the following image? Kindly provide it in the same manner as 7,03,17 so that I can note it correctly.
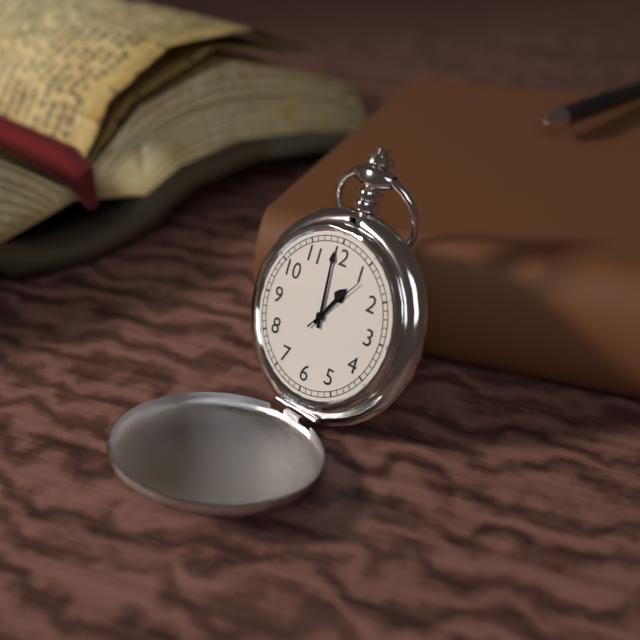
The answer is 12,59,06
